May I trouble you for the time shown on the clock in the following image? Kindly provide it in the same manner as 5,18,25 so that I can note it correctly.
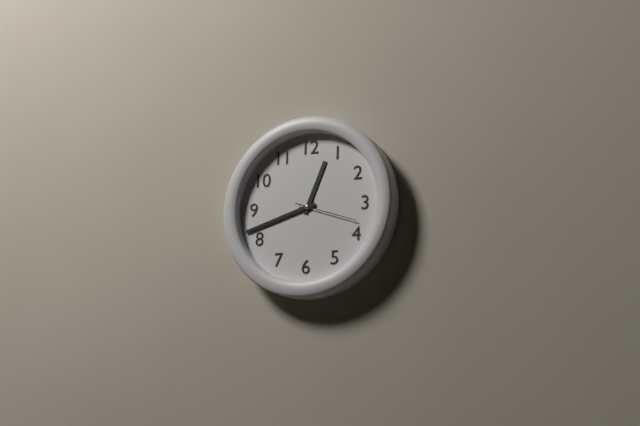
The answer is 12,42,18
